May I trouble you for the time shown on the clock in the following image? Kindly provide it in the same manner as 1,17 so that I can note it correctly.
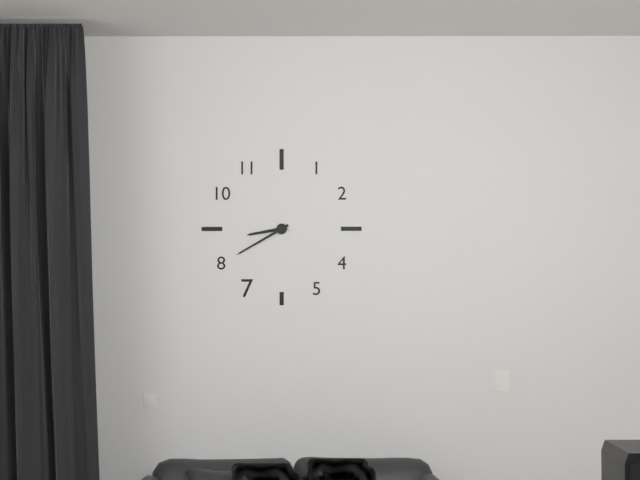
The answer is 8,40
